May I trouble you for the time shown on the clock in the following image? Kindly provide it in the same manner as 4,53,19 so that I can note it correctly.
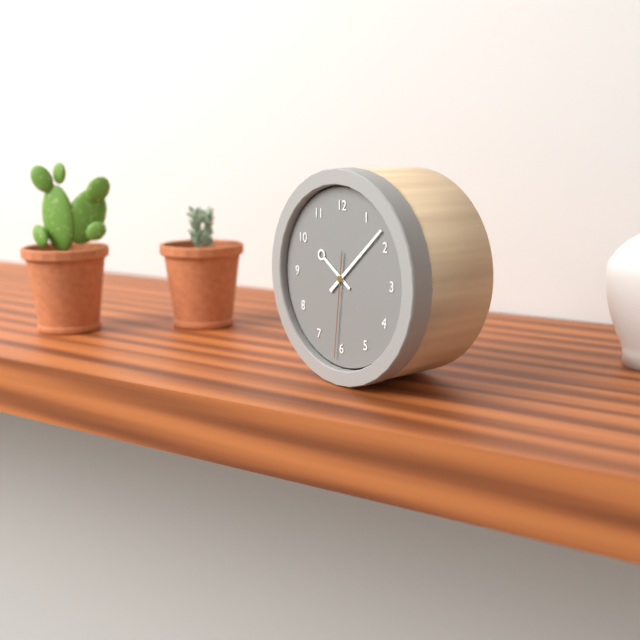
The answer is 10,08,31
